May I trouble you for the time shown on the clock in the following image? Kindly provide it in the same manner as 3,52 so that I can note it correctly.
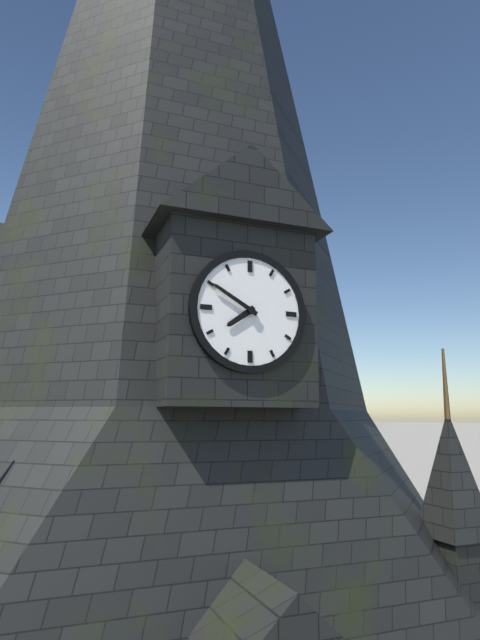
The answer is 7,50
